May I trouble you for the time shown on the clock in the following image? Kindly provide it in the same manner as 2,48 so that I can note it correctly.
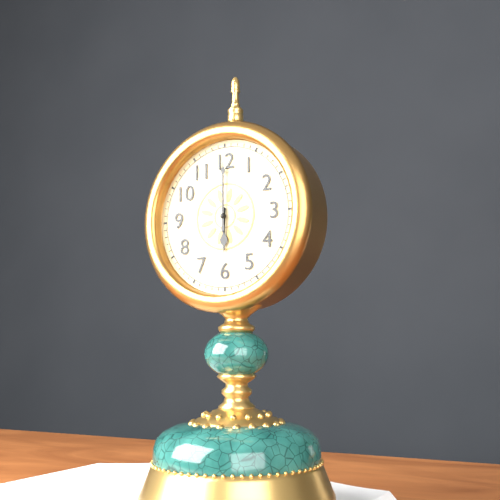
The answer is 6,00
